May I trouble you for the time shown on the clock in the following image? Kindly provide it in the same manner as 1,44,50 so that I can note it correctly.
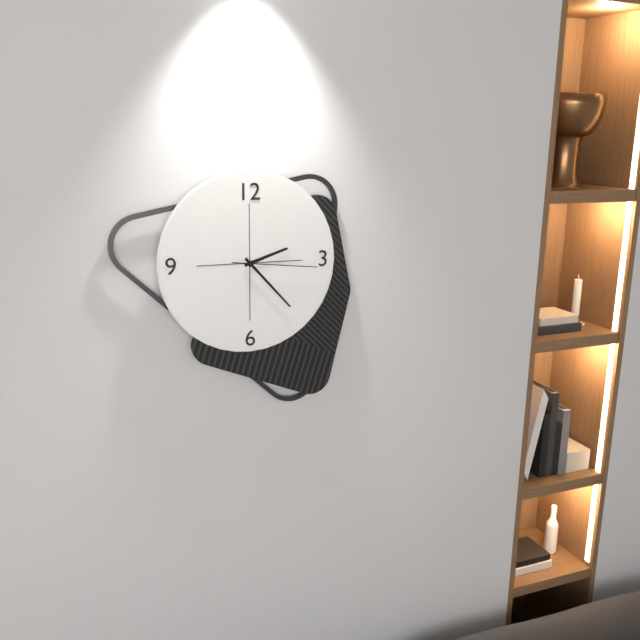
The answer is 2,23,16
